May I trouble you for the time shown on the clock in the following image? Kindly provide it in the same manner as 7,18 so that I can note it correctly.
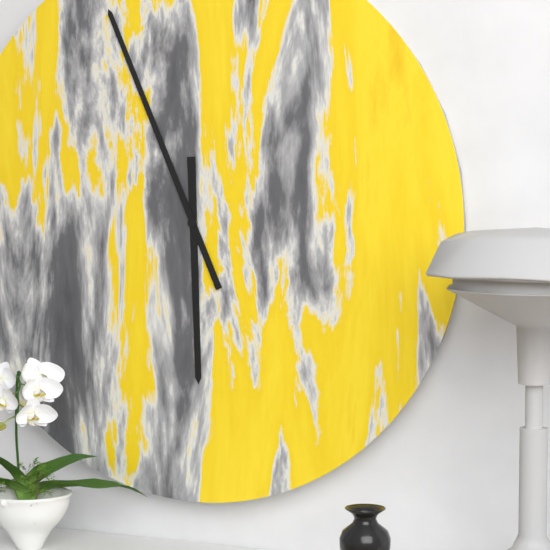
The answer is 5,56
